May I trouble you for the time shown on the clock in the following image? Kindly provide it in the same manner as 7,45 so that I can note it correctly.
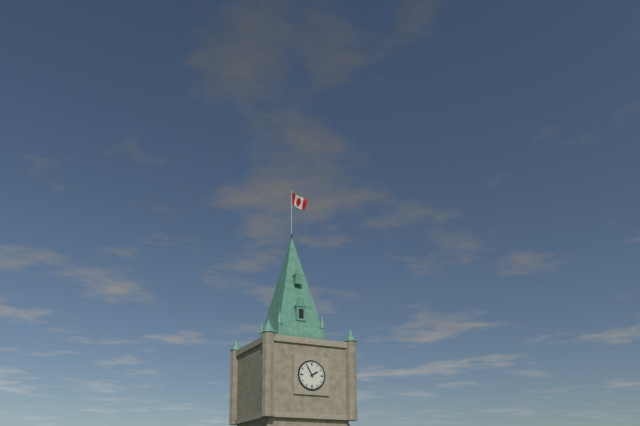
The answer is 1,55
